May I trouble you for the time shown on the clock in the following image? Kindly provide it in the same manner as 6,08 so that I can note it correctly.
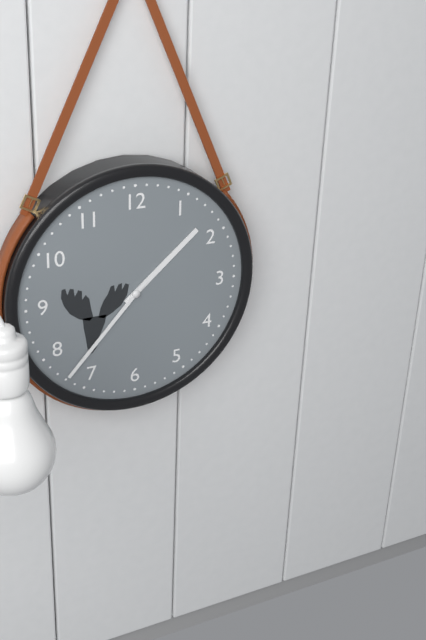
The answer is 1,37
